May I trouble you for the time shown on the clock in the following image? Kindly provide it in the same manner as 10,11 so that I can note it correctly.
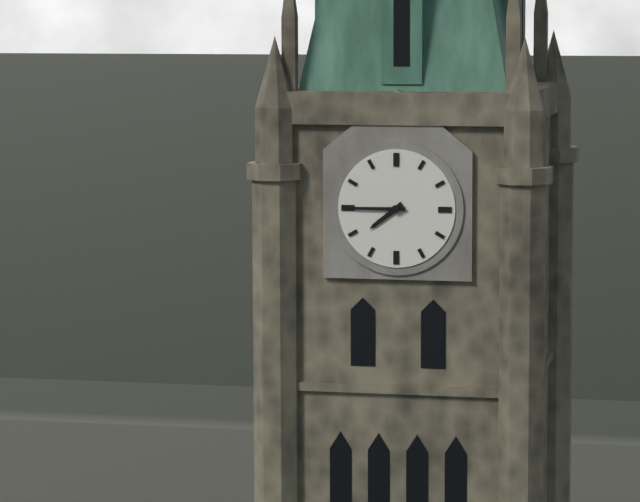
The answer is 7,45
